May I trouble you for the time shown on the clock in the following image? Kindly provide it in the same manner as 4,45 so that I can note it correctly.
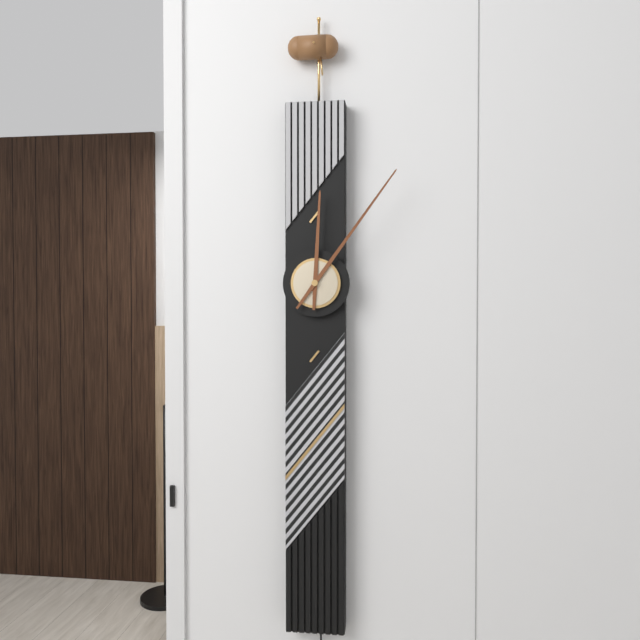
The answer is 12,06
